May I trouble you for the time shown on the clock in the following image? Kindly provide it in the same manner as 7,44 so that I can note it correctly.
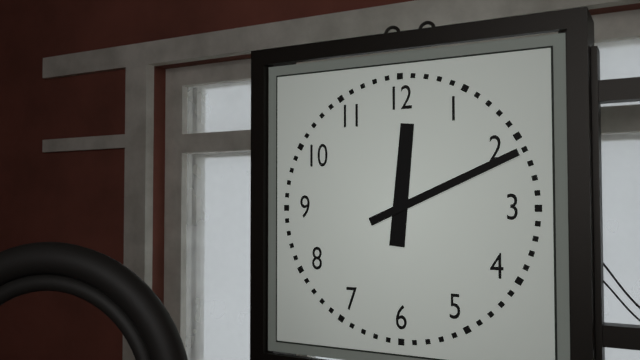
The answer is 12,11
